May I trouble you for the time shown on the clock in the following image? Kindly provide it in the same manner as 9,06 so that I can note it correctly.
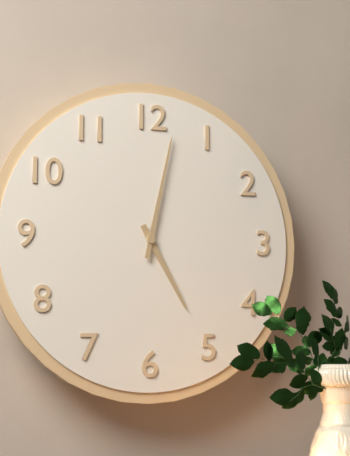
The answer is 5,02
